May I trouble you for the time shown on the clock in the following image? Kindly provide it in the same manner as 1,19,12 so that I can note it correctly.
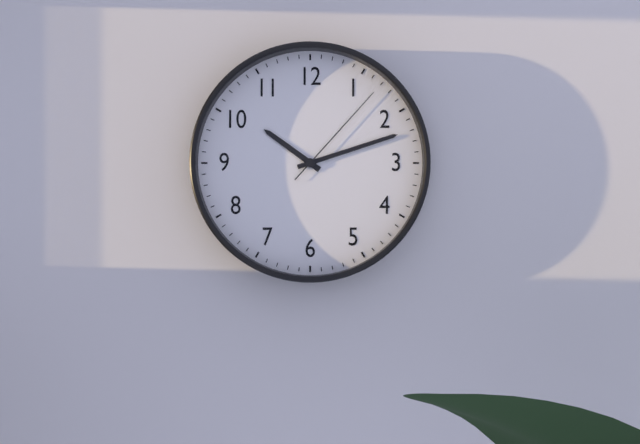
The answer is 10,12,07
